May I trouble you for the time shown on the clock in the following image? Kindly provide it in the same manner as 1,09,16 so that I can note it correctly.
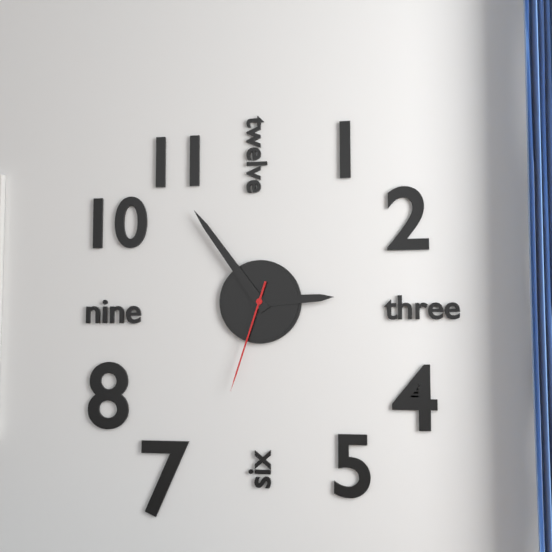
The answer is 2,54,33
